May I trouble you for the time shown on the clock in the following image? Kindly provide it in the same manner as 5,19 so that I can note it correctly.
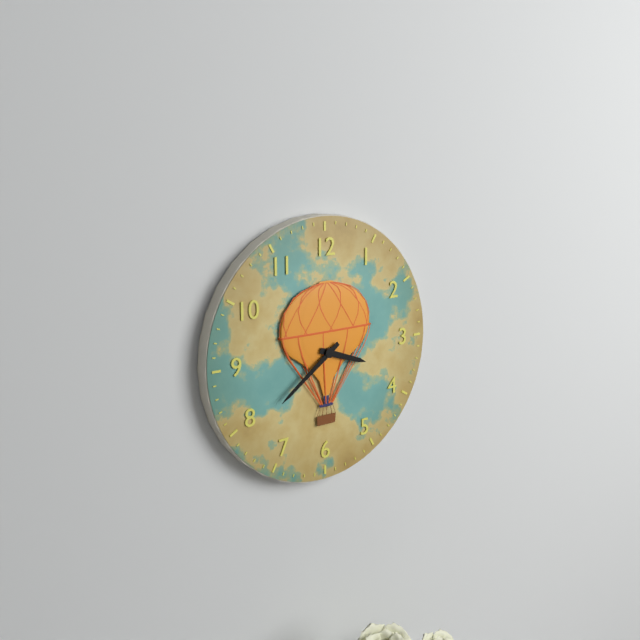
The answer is 3,39
